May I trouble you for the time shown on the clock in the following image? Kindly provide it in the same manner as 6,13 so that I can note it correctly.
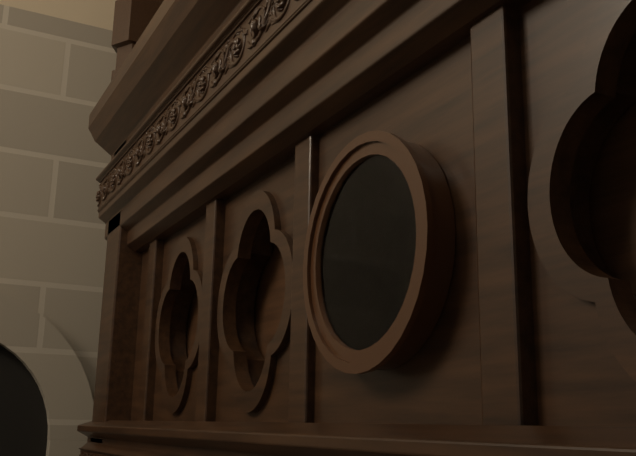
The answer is 4,25
